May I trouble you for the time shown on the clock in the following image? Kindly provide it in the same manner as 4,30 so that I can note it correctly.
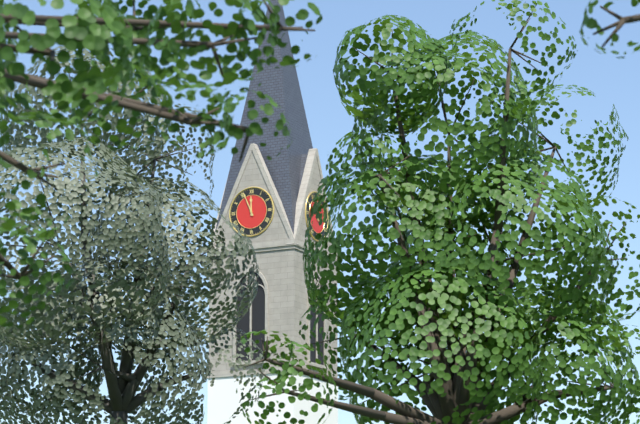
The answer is 11,56
